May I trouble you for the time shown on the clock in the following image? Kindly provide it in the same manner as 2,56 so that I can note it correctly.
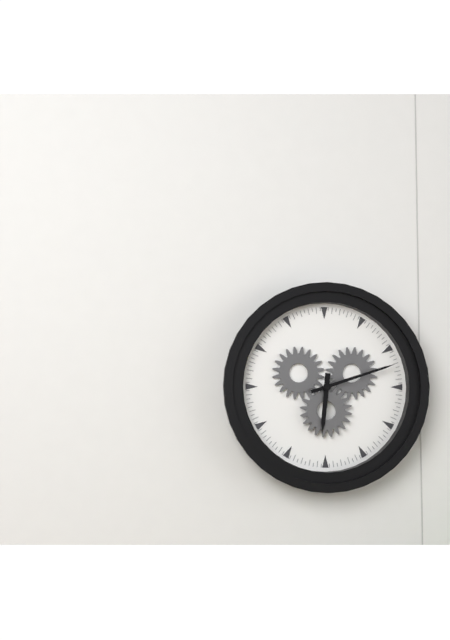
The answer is 6,12
